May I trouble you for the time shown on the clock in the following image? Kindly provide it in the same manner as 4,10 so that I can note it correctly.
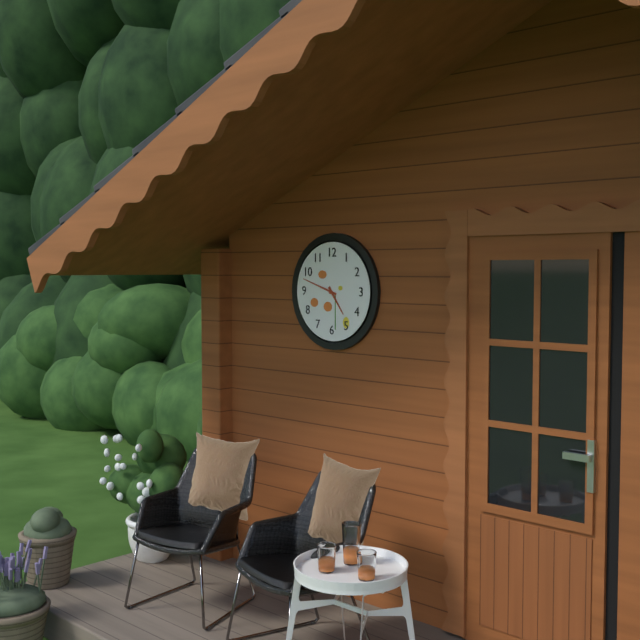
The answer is 4,48
